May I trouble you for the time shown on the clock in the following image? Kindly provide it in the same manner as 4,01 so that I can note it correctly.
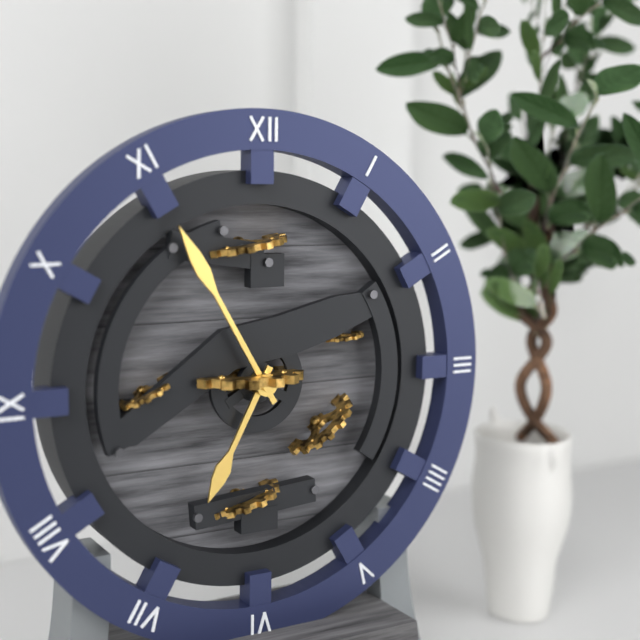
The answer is 6,55
